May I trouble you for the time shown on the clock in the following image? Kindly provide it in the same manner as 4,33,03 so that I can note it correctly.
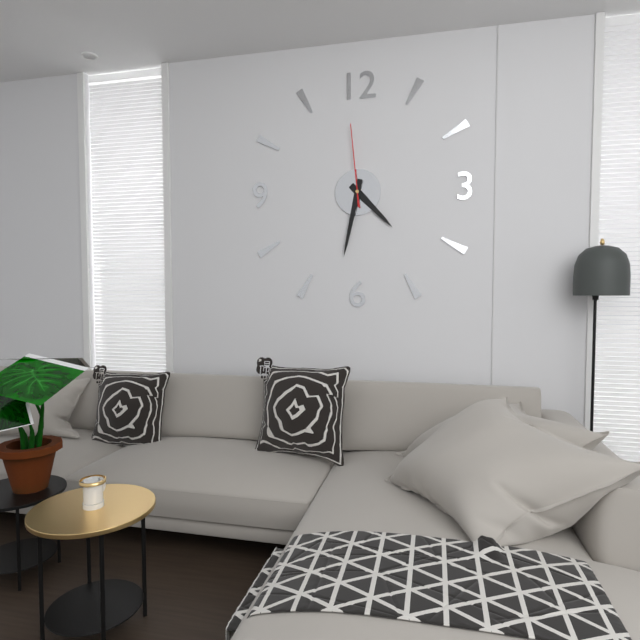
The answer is 4,32,59
